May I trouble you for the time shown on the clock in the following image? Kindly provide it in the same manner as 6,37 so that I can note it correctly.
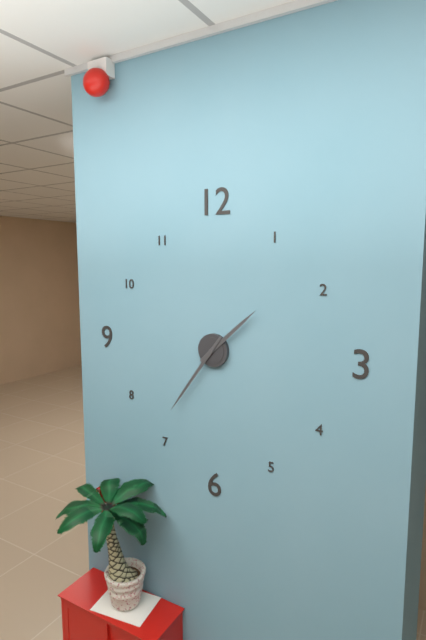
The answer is 1,36
